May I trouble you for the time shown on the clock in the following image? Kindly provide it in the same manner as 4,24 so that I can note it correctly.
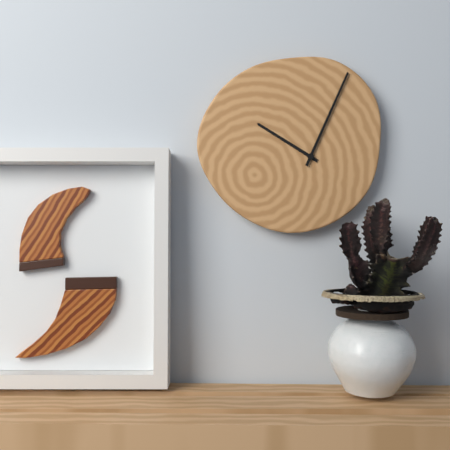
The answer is 10,04
